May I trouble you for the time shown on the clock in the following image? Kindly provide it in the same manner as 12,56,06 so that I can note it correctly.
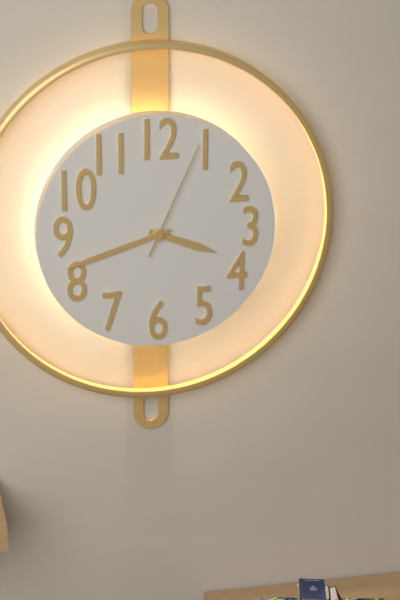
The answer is 3,42,04
